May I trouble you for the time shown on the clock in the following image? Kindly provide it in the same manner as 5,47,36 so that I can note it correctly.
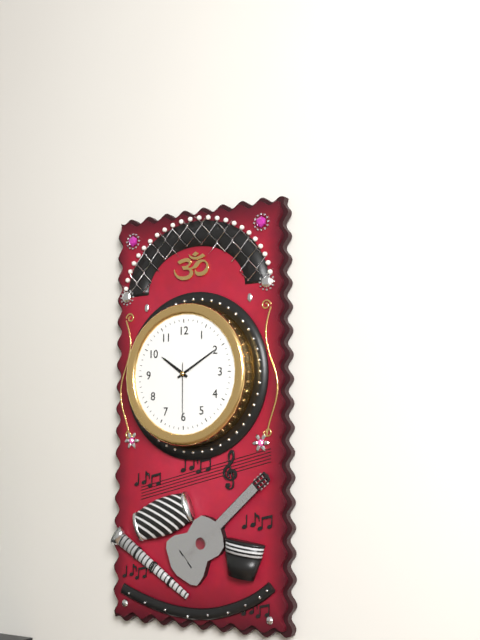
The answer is 10,10,30
